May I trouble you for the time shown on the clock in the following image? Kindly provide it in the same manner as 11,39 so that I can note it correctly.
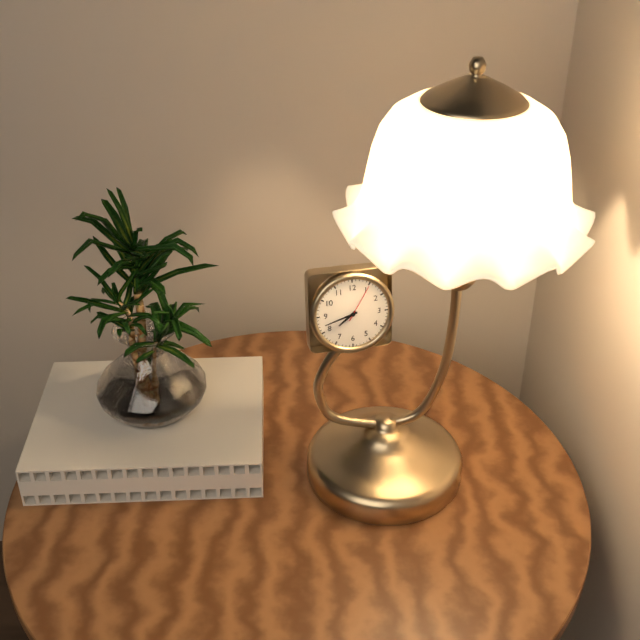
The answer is 7,42
